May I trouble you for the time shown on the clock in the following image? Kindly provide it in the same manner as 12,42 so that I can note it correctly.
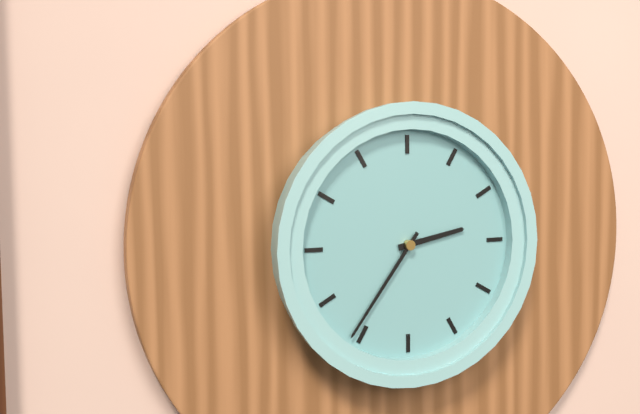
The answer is 2,36
